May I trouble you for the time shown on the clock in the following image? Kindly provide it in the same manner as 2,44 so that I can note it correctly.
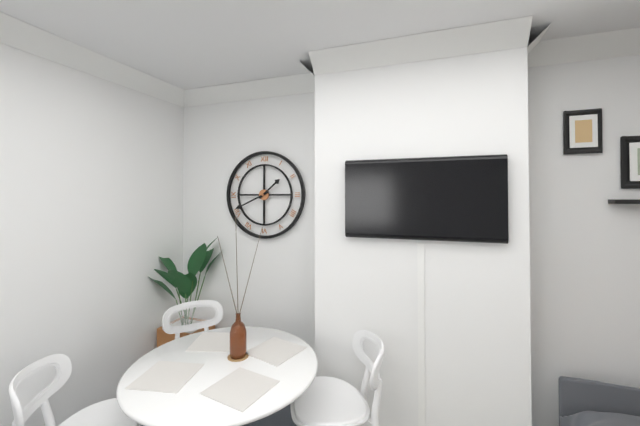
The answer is 1,41
